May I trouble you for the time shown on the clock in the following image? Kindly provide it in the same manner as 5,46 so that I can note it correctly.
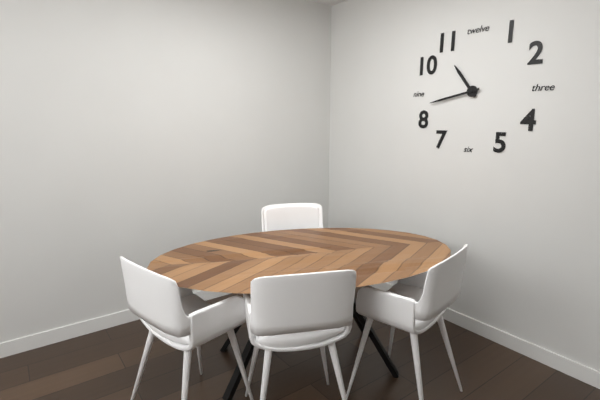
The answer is 10,43
